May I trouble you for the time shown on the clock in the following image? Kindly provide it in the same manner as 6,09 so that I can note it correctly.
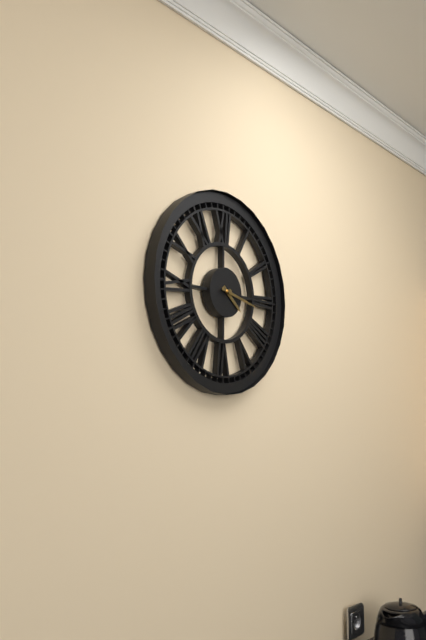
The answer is 4,17
